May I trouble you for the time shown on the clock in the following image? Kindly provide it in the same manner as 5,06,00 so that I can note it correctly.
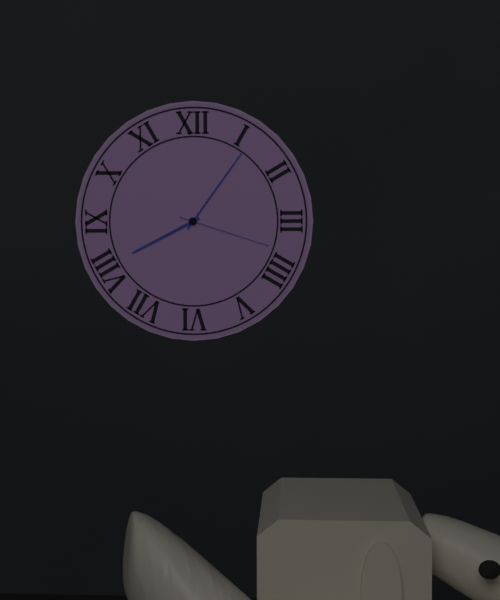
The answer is 8,06,18
